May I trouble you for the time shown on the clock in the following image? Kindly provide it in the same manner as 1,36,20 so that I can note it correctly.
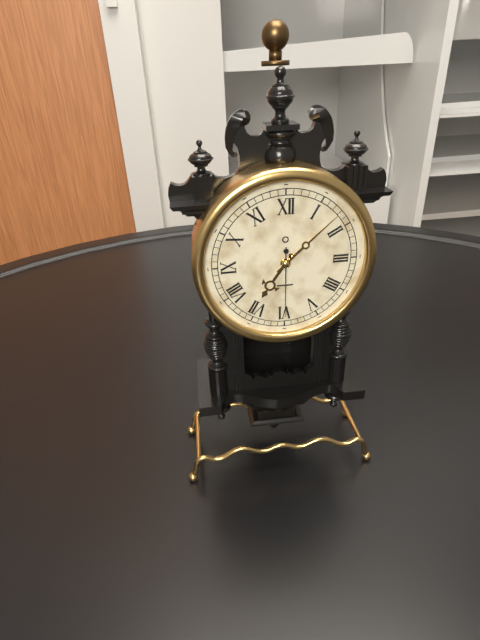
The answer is 7,08,30
